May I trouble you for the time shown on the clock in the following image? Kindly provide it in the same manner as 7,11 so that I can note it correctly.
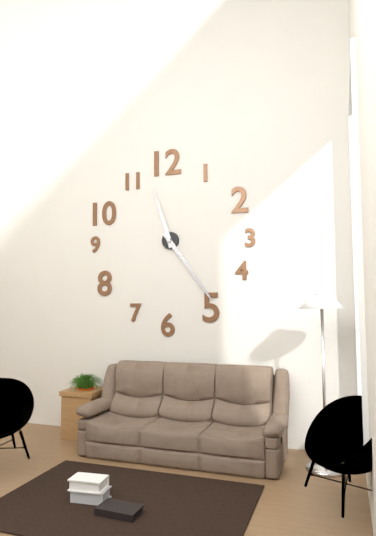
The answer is 11,24
